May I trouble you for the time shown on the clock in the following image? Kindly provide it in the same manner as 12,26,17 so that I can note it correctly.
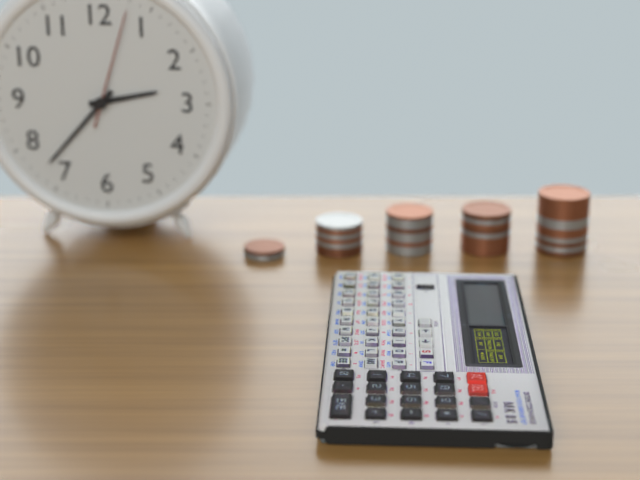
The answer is 2,37,03
